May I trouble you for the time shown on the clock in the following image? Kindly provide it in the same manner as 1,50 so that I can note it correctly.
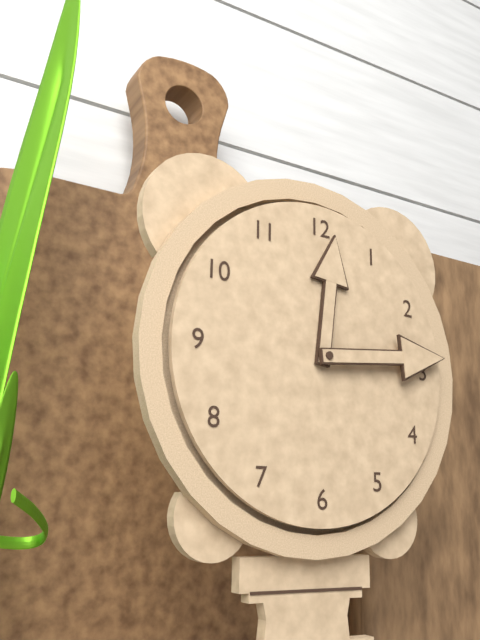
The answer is 12,14
